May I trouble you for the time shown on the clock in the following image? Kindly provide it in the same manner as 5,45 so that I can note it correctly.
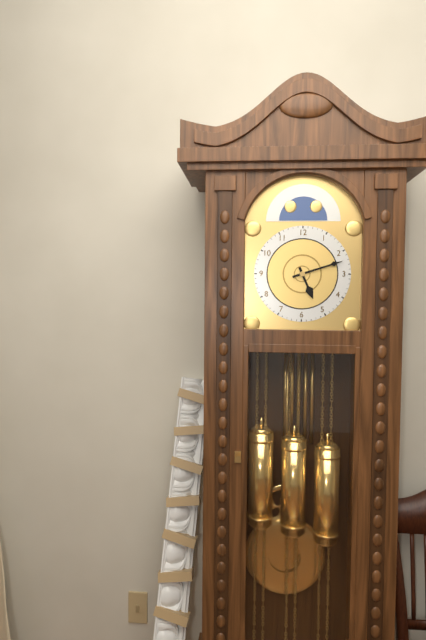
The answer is 5,12
